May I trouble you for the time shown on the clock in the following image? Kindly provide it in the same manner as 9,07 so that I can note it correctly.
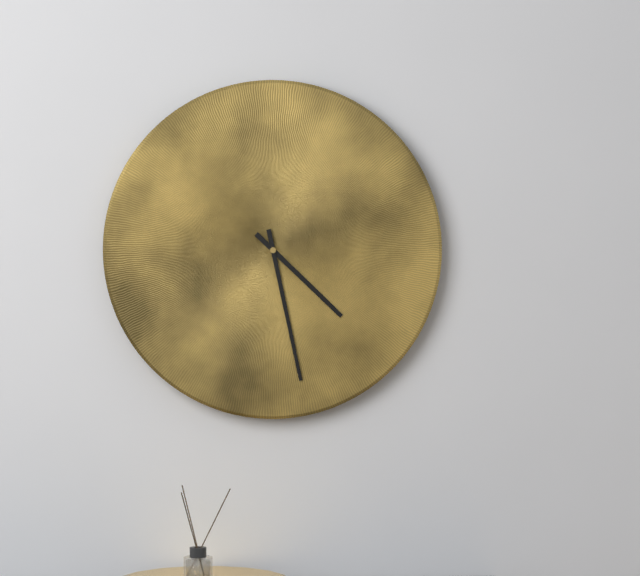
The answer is 4,28
